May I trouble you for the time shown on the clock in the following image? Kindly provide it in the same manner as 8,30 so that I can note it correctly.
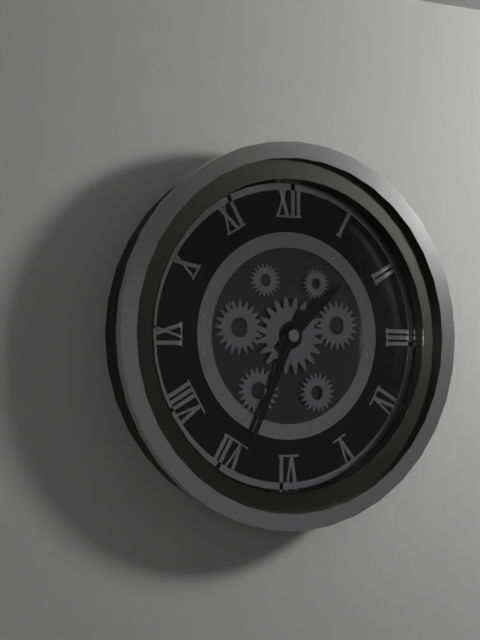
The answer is 1,34
